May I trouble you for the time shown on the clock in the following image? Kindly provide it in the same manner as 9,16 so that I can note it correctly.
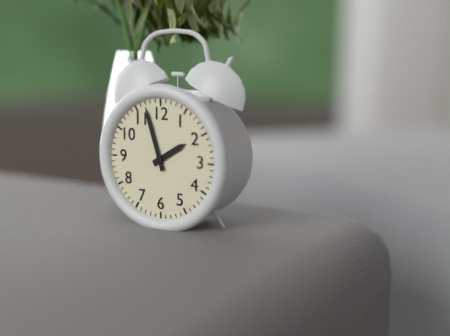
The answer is 1,57
